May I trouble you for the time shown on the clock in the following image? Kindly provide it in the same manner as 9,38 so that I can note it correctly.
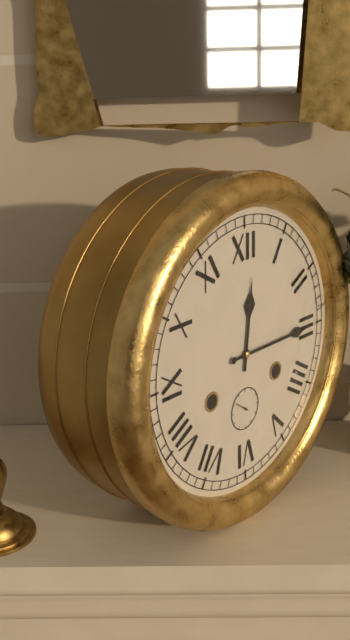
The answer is 12,15
